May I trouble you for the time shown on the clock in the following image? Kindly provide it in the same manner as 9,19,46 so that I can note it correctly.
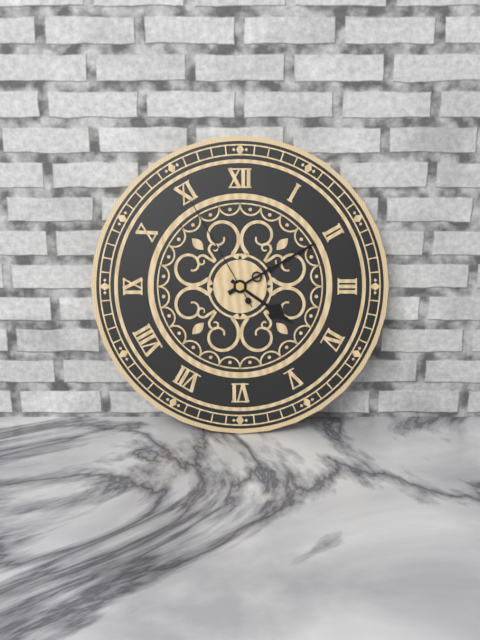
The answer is 4,10,55
